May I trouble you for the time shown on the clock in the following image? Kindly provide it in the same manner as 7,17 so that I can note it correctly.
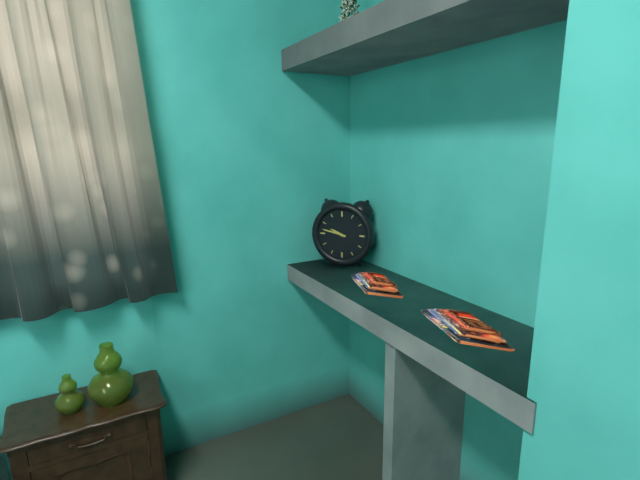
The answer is 9,47
